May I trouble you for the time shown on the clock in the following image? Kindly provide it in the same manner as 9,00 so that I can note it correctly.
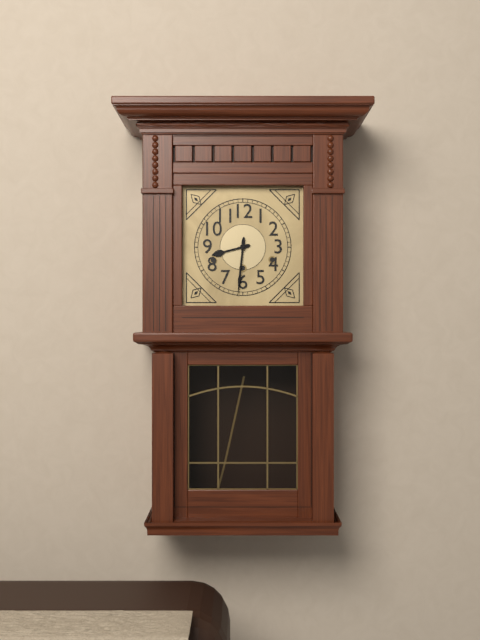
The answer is 8,31
